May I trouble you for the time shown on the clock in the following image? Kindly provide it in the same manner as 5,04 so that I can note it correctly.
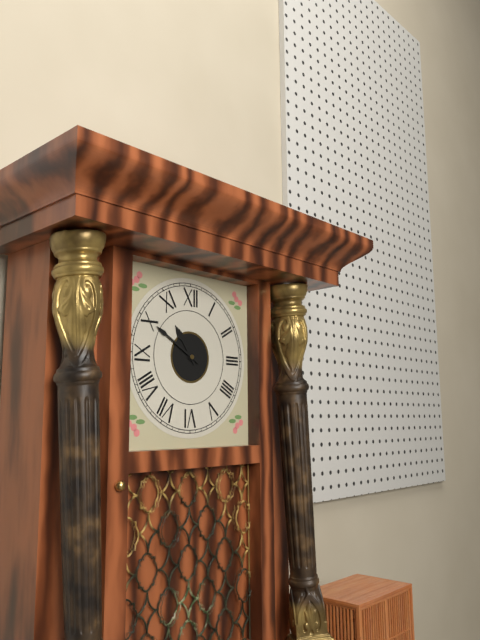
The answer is 10,50
